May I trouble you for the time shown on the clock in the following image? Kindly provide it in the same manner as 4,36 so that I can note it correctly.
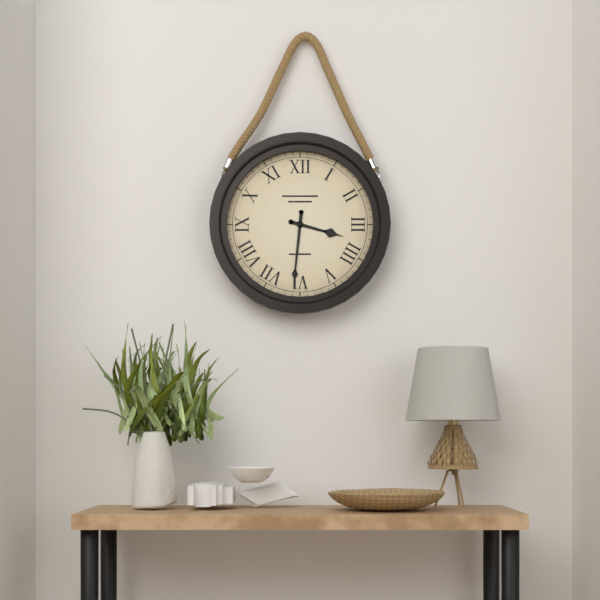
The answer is 3,31
